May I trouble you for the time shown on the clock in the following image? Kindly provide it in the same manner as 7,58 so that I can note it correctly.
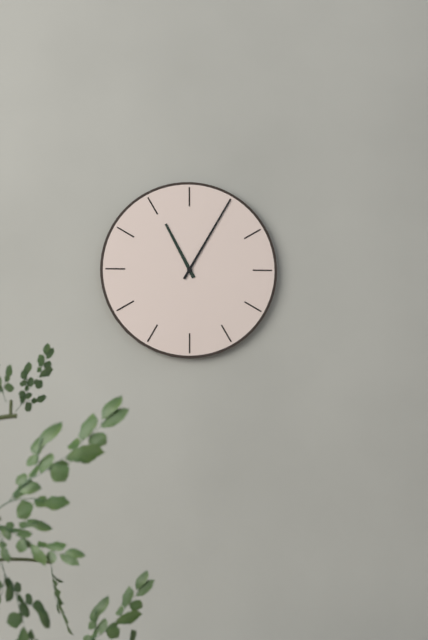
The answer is 11,05
